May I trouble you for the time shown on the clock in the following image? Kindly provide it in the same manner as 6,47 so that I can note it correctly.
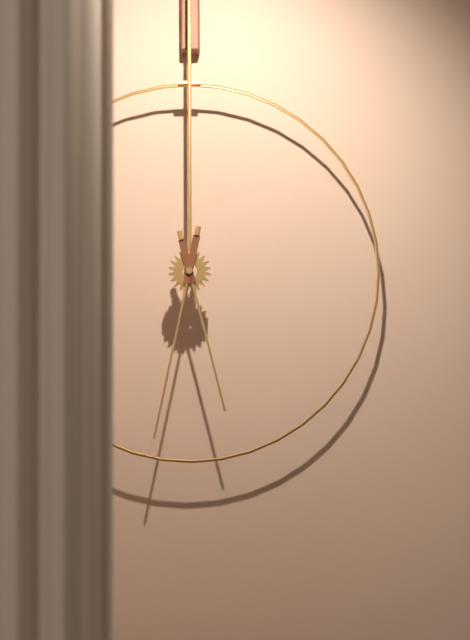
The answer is 5,32
